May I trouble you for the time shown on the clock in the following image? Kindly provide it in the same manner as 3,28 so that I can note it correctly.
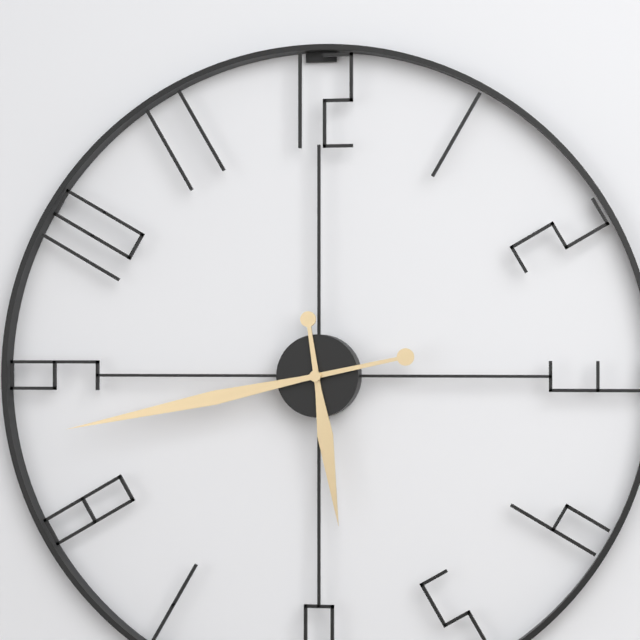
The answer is 5,43
